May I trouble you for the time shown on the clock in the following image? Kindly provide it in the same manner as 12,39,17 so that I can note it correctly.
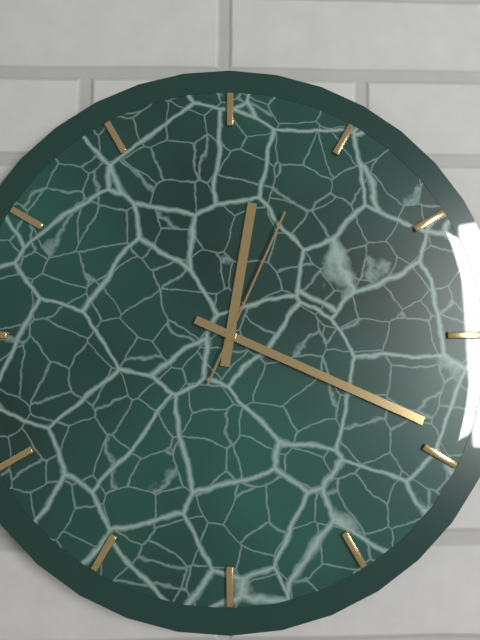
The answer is 12,19,04
